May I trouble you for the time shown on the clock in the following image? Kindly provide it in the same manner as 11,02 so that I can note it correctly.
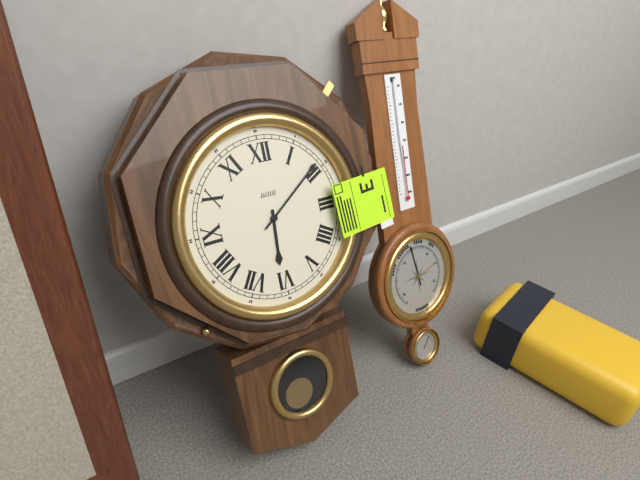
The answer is 6,09
